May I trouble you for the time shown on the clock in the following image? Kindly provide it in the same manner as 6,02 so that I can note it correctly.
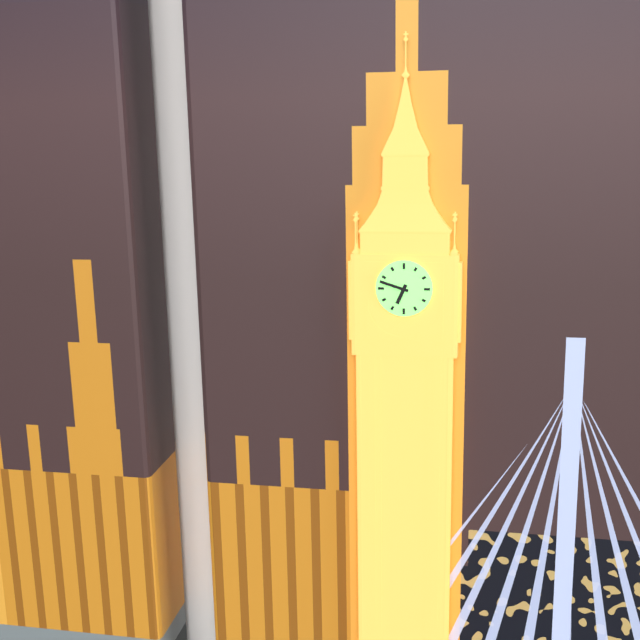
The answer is 6,48
